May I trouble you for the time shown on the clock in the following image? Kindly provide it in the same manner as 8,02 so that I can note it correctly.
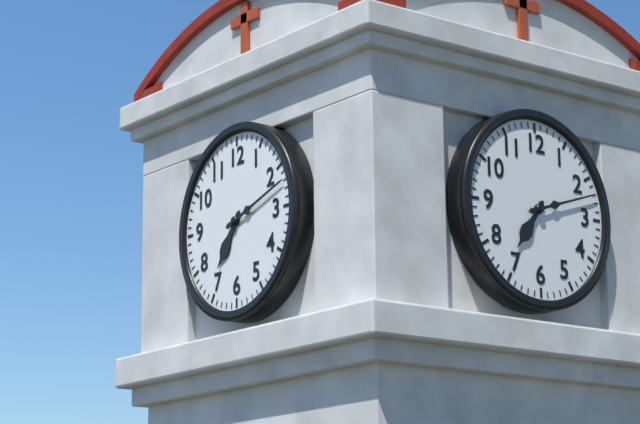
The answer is 7,12
